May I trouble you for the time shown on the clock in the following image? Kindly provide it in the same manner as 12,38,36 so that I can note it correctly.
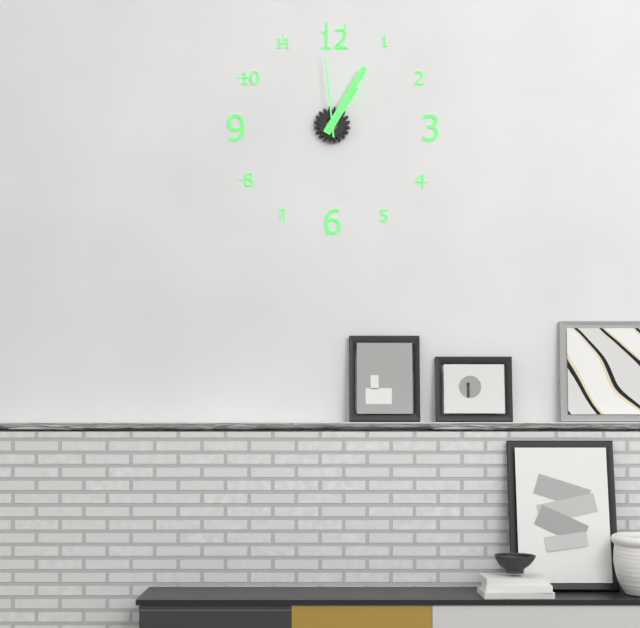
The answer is 1,05,59
